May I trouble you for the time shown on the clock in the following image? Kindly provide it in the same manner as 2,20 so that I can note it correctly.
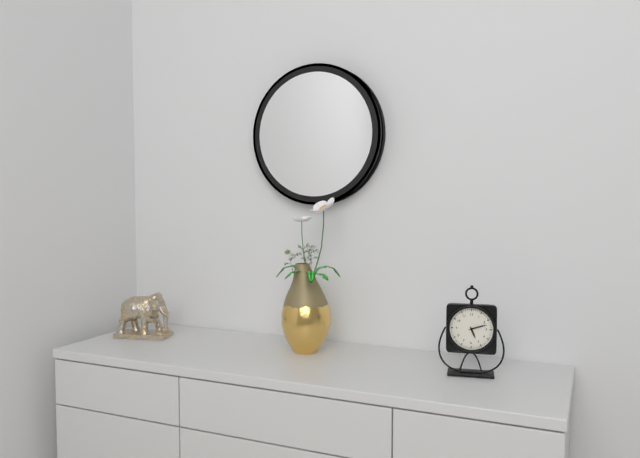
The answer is 5,12
